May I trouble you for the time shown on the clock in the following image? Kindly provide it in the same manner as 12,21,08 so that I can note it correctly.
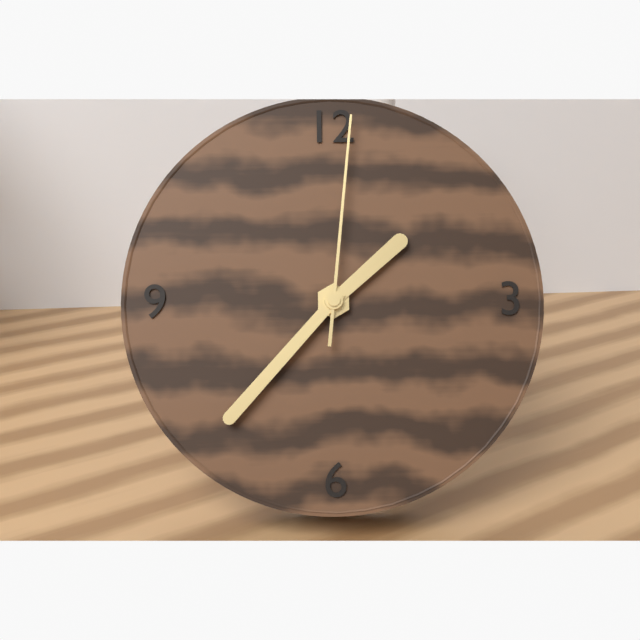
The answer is 1,37,01
